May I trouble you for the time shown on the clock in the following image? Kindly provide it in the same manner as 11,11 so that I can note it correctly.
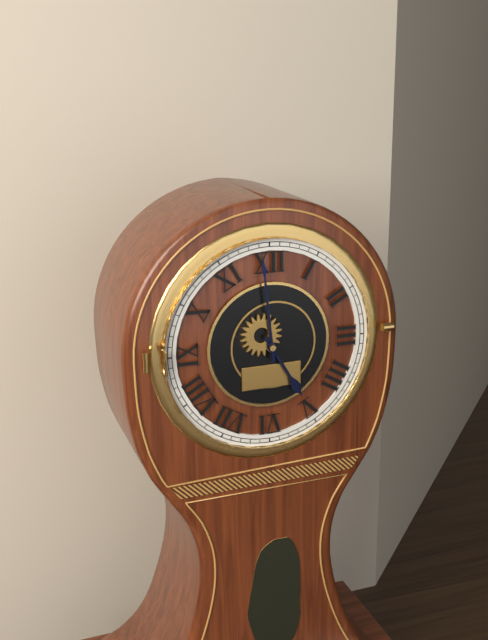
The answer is 4,59
